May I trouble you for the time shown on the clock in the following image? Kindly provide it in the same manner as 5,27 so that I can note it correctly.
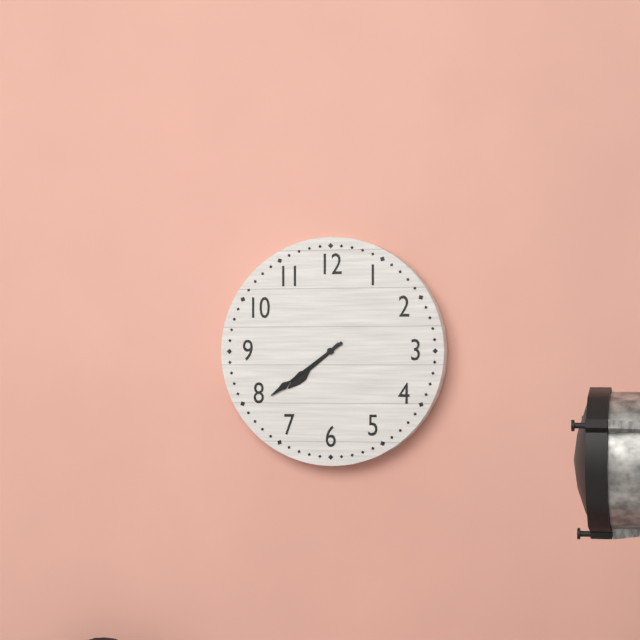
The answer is 7,39
